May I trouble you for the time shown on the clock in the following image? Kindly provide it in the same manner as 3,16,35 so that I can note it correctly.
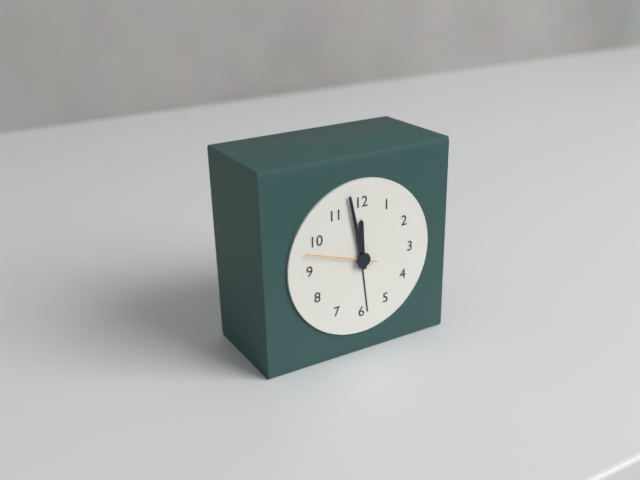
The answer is 11,58,48
